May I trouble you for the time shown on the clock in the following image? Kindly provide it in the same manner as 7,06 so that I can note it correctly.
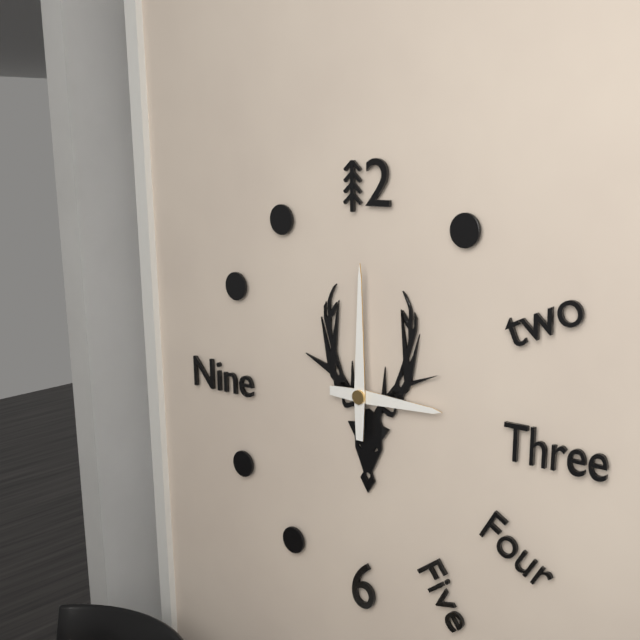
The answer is 3,00
